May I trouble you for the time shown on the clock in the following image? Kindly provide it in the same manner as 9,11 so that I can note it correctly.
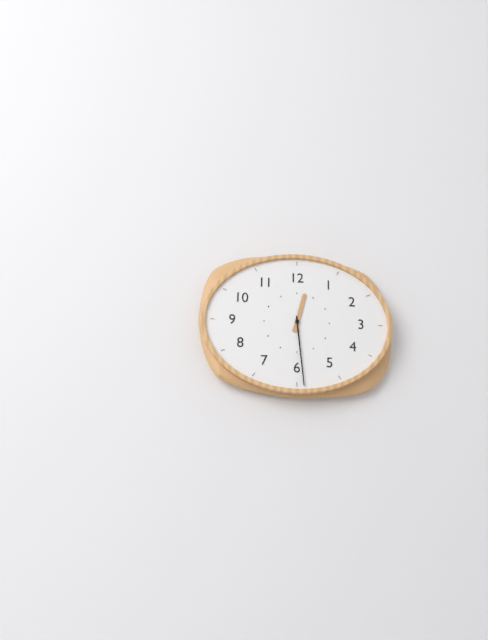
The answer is 12,29
